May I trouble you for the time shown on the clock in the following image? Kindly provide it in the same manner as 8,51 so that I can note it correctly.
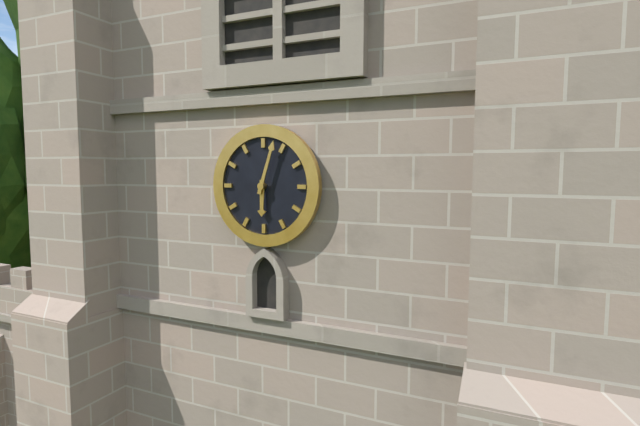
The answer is 6,03
